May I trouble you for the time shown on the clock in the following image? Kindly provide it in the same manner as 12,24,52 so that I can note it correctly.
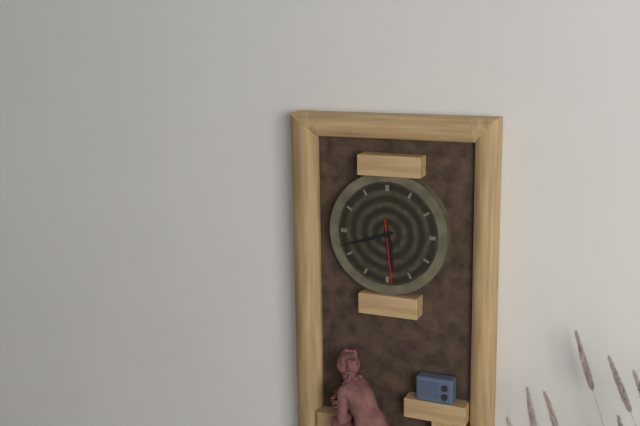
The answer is 5,42,29
